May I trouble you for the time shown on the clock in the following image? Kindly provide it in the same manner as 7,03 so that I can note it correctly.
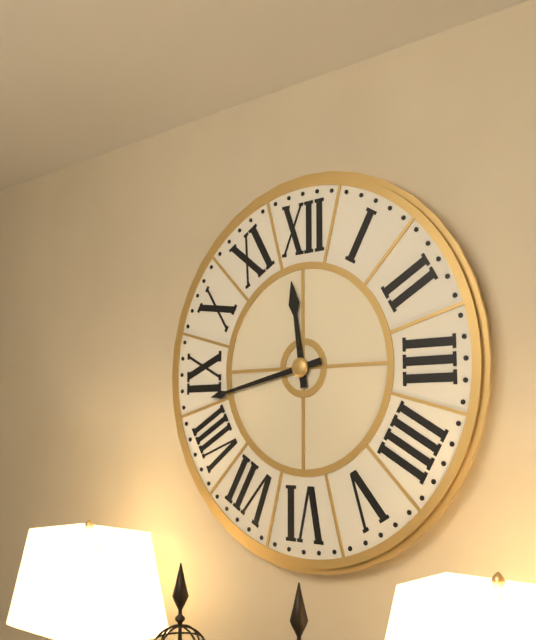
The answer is 11,43
